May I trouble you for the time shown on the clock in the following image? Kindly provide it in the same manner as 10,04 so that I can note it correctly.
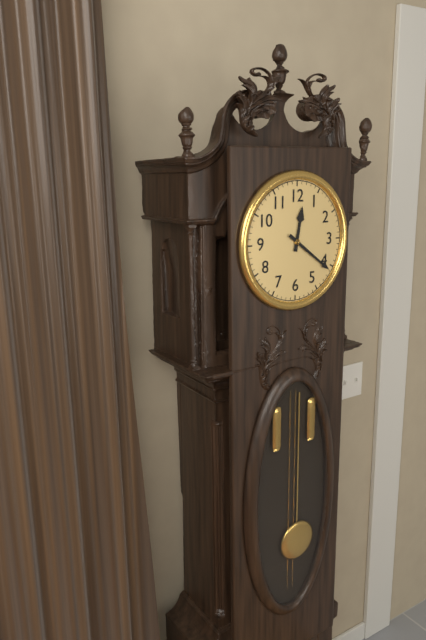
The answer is 12,21
